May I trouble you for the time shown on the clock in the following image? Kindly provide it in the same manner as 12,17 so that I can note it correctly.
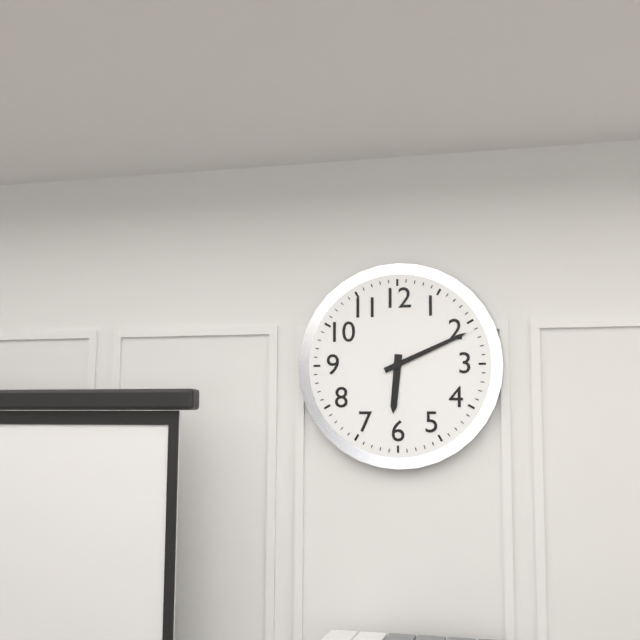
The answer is 6,11
